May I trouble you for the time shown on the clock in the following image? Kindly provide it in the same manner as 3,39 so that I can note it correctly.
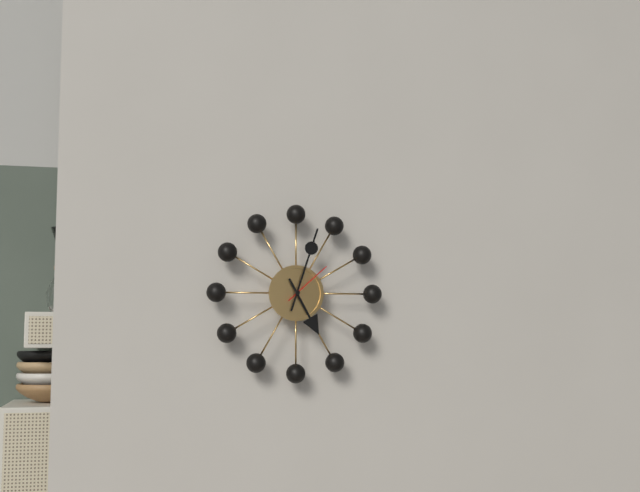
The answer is 5,03
